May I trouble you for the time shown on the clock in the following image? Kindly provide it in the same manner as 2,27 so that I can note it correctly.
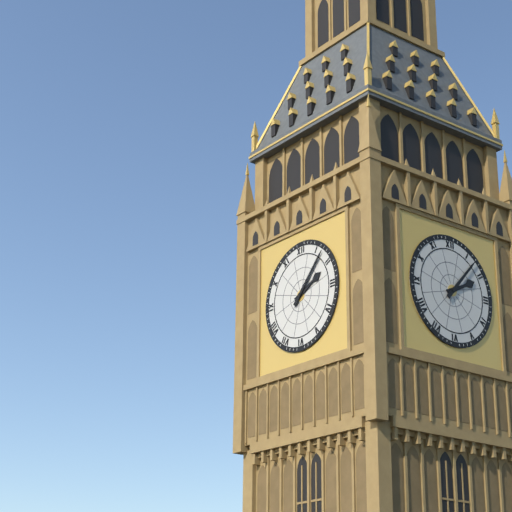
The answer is 2,07
